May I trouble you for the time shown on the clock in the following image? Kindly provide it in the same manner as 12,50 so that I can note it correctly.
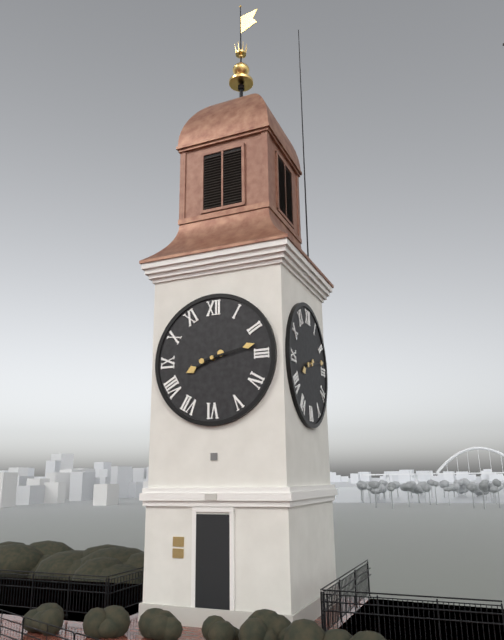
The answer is 8,13
